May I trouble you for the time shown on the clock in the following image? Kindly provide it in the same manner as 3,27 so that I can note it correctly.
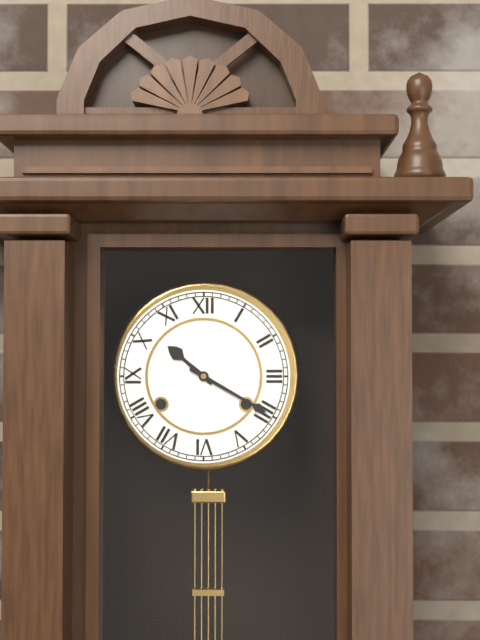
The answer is 10,20
